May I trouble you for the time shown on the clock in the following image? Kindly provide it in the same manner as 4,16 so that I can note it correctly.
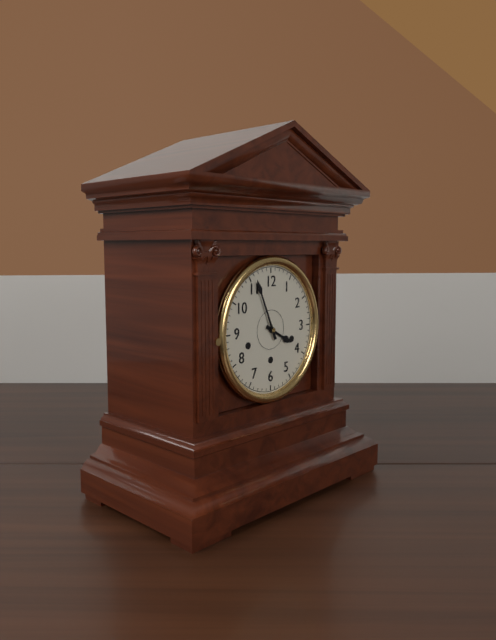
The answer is 3,56
